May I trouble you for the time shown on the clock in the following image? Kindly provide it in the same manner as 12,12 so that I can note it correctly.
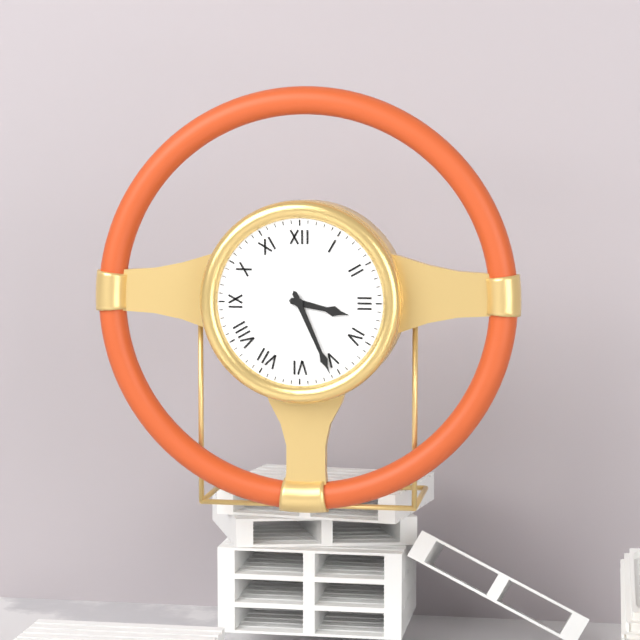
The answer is 3,26
